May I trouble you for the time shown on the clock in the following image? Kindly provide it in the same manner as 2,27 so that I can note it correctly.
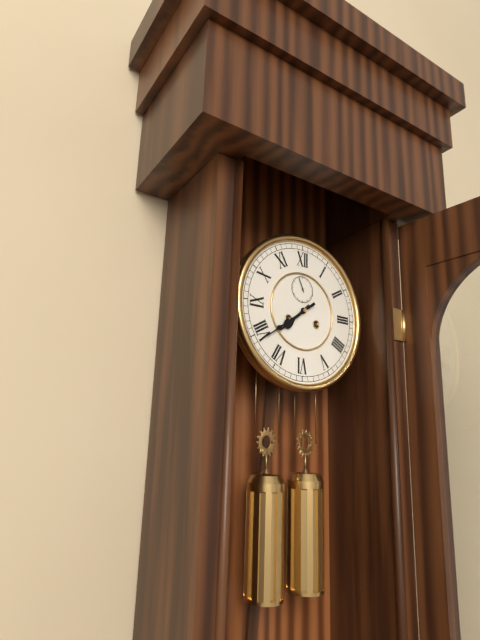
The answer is 7,39
